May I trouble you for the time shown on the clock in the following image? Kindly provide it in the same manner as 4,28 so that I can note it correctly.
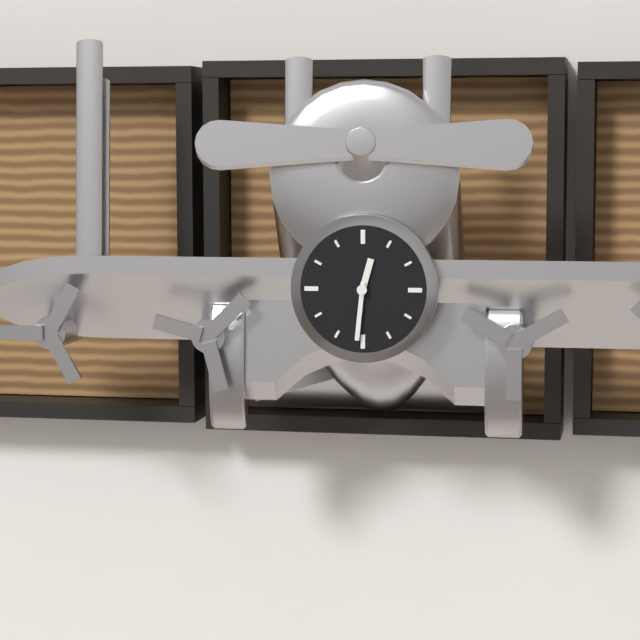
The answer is 12,31
